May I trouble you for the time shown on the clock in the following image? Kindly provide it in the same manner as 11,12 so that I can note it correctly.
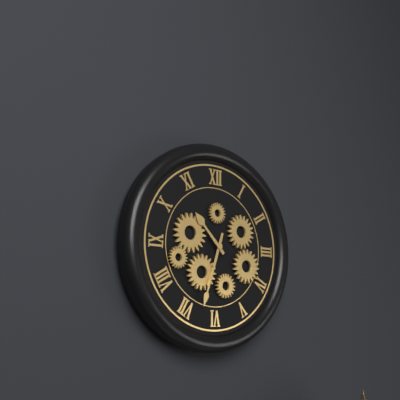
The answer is 10,33
